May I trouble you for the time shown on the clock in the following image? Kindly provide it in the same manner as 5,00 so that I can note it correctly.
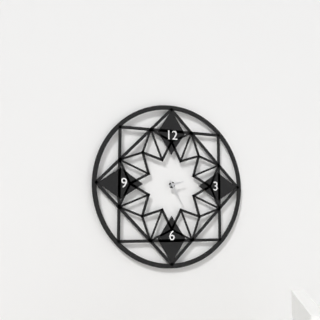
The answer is 2,25
